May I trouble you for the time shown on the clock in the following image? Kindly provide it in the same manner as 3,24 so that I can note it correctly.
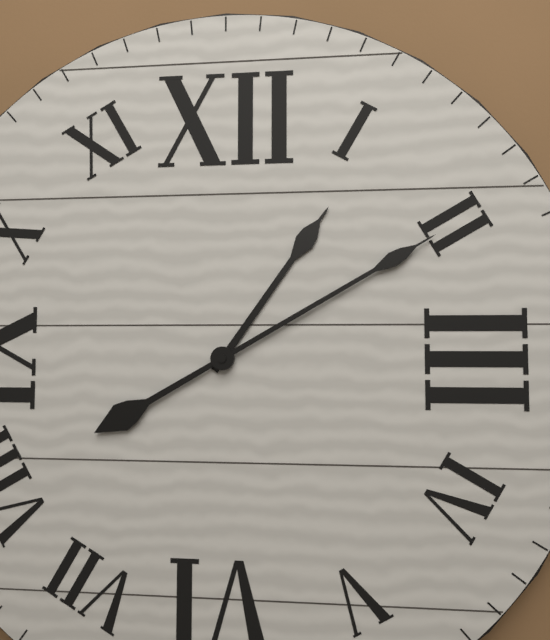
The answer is 1,10
